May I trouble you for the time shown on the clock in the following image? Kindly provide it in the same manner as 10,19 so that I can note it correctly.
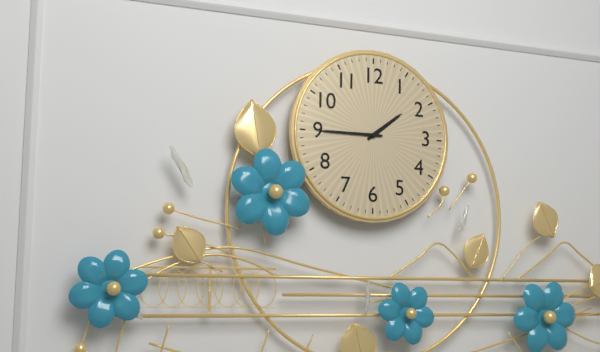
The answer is 1,45
